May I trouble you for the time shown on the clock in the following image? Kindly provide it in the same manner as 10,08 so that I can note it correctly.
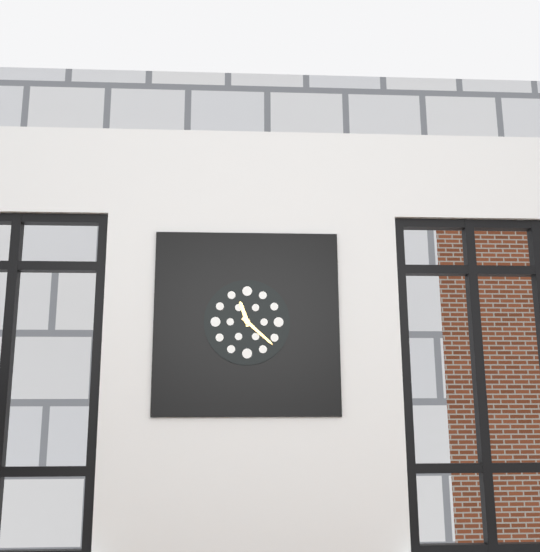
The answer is 11,22
